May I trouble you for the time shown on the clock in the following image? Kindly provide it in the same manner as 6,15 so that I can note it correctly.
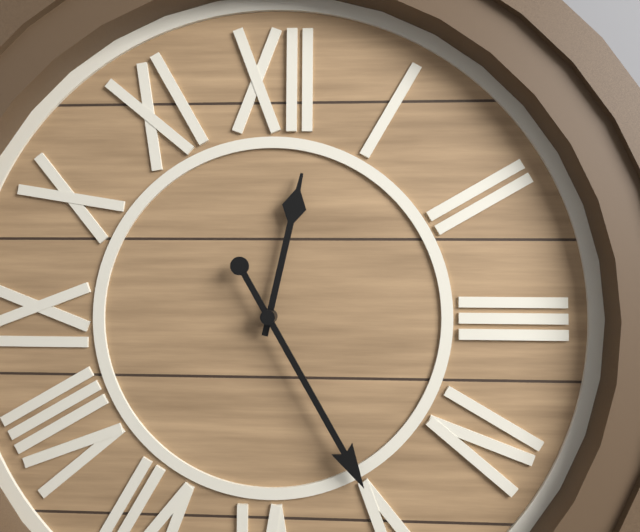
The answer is 12,25
